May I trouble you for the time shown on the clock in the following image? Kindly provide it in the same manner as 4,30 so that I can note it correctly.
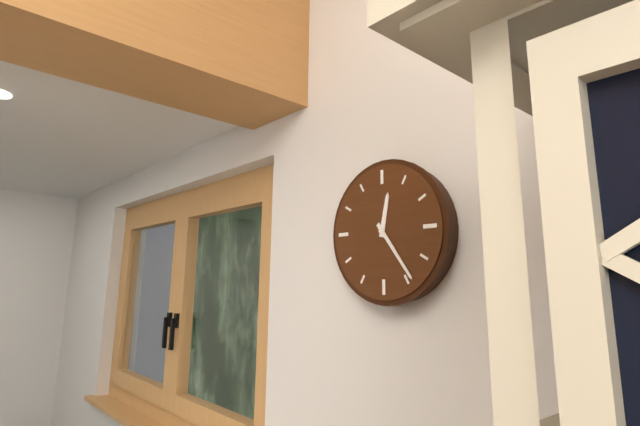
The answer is 12,24
